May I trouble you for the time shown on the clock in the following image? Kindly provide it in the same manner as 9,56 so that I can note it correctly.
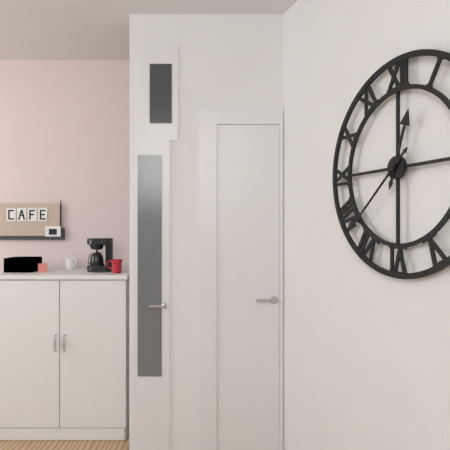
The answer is 12,38
